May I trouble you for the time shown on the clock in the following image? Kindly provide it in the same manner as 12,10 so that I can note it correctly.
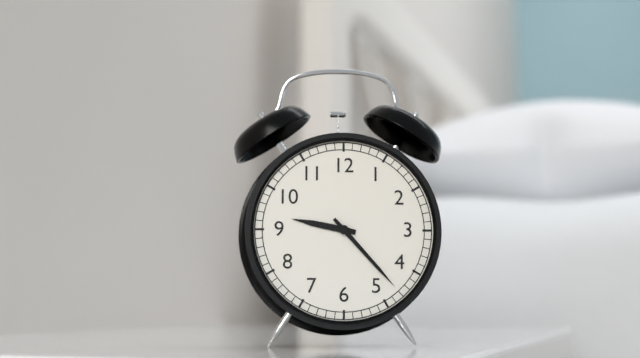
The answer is 9,23
